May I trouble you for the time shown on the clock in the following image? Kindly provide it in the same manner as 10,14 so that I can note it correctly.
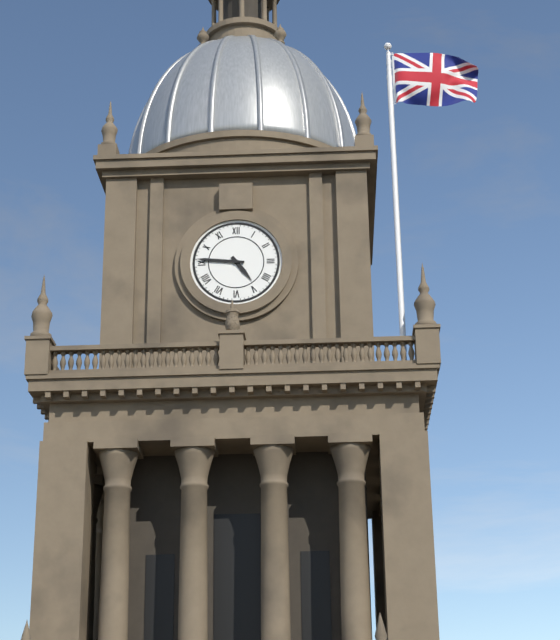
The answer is 4,46
